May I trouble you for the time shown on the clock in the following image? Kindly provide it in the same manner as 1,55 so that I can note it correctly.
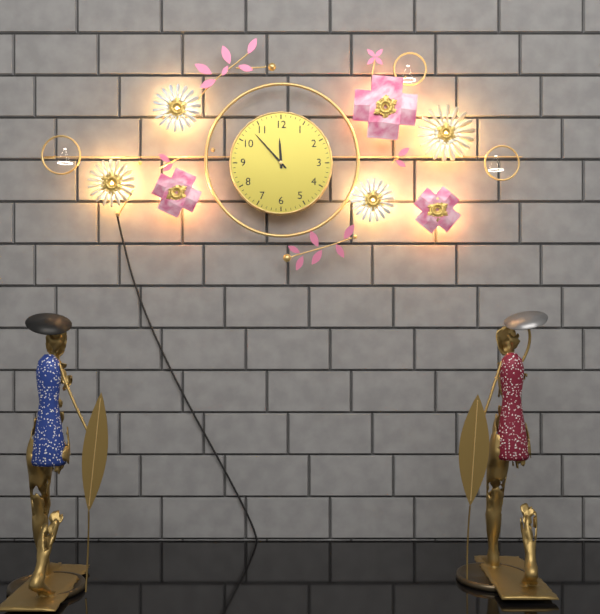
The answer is 11,53
